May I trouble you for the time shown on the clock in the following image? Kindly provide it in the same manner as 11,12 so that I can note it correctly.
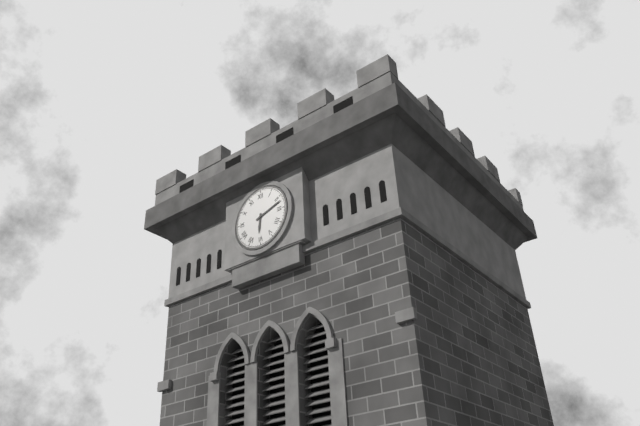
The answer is 6,12
